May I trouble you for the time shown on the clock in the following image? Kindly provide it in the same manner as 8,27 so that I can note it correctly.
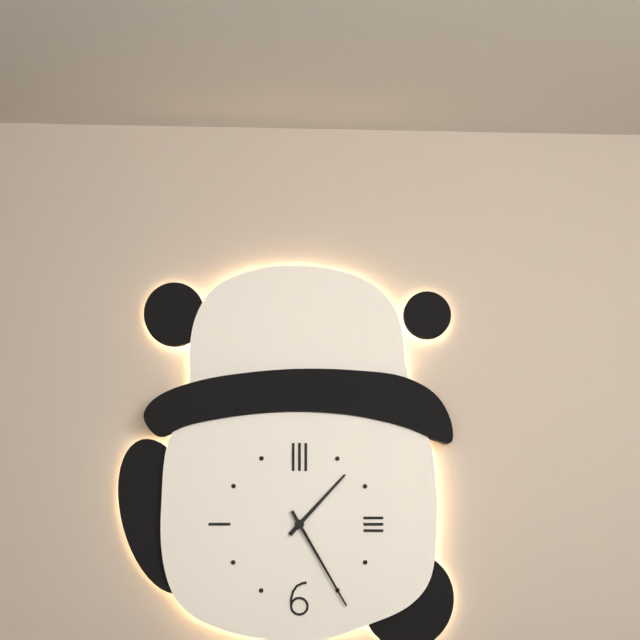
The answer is 1,25
